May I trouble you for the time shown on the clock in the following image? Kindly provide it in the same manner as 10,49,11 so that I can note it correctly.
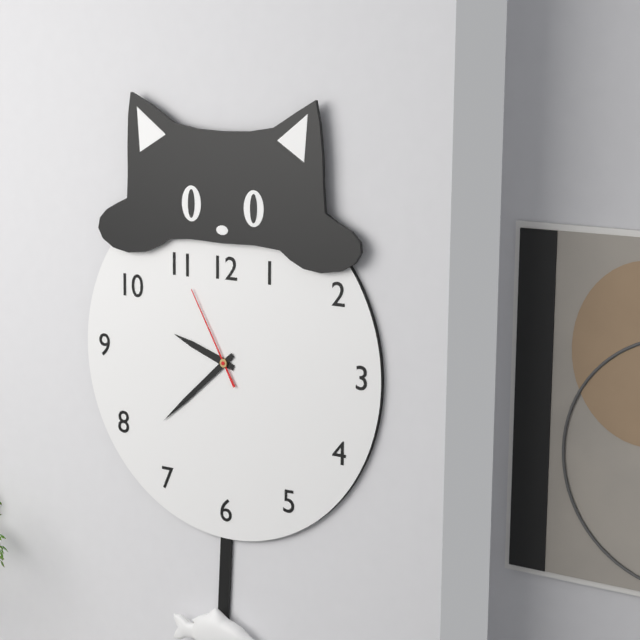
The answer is 9,38,55
